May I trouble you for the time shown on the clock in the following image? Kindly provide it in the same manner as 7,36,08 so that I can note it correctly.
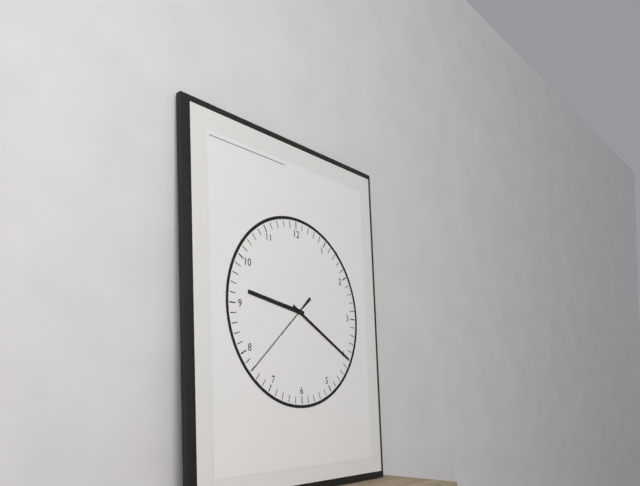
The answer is 9,20,38
